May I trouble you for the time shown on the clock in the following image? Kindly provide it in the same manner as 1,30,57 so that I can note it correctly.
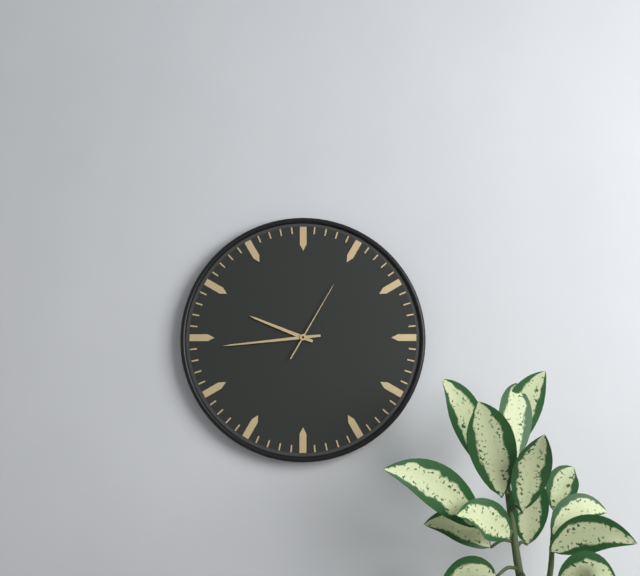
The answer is 9,44,05
